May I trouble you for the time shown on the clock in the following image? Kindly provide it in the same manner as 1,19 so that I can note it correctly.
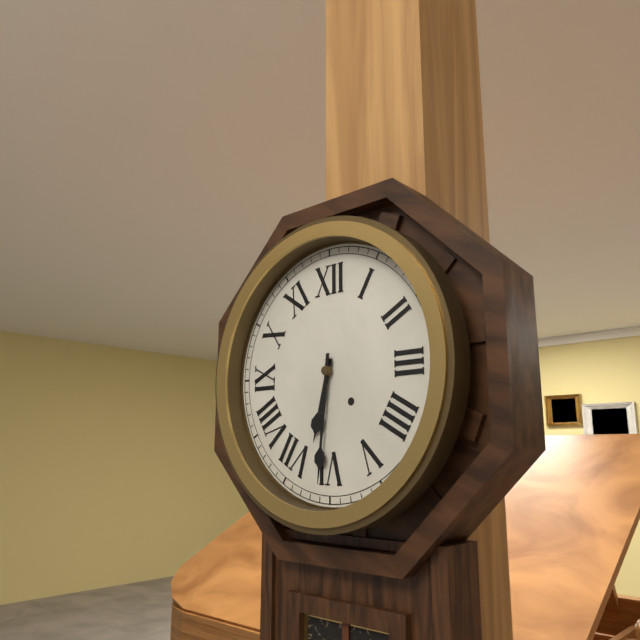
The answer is 6,31
